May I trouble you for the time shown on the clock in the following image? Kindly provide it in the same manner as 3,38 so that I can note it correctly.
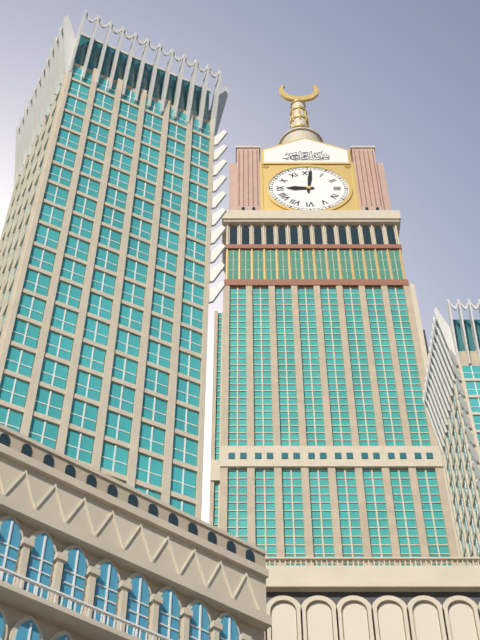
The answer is 9,01
